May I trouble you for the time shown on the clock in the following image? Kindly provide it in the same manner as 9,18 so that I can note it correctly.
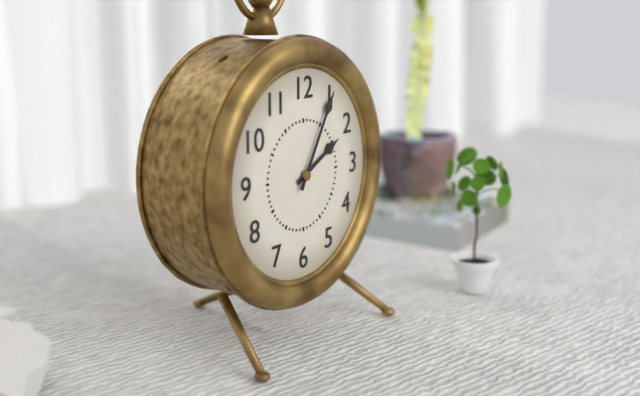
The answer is 2,05
